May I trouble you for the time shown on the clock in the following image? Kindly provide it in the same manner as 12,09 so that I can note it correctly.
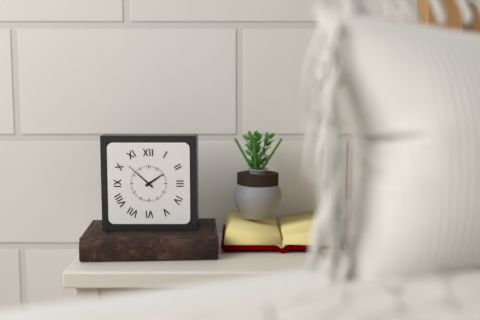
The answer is 1,52
